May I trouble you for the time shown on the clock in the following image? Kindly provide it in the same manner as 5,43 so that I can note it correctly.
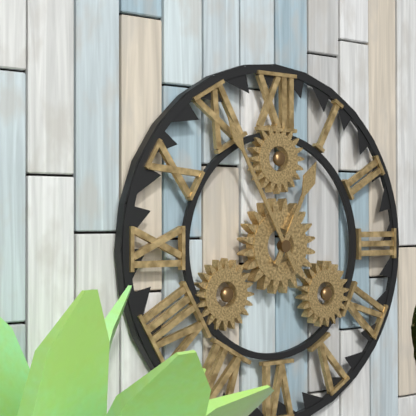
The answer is 12,55
